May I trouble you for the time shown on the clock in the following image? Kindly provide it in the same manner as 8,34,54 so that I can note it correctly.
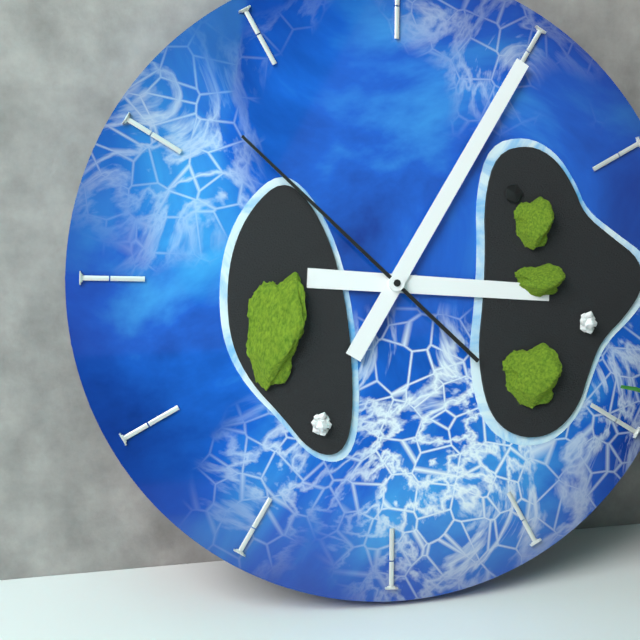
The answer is 3,05,52
